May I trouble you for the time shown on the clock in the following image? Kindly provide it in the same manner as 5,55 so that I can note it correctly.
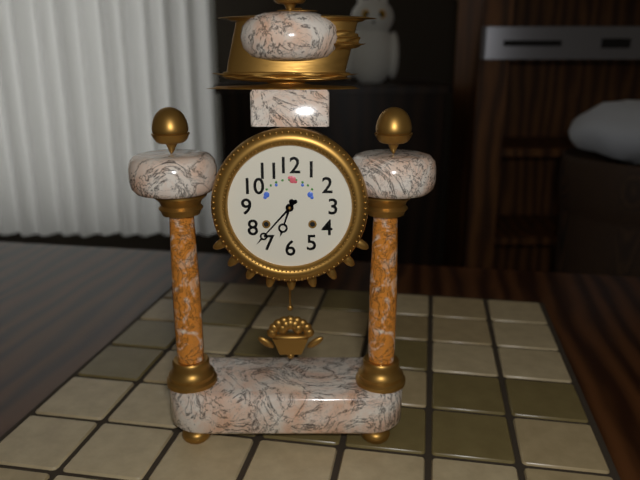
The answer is 6,37
